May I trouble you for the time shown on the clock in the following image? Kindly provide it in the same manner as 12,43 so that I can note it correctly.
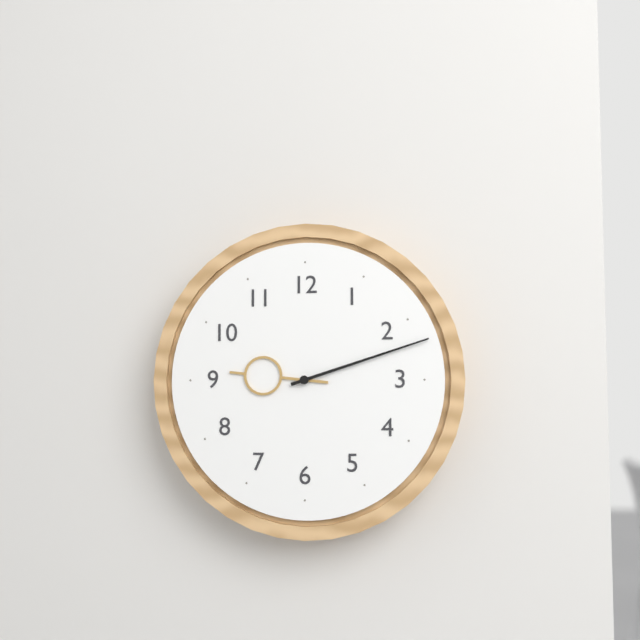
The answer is 9,12
